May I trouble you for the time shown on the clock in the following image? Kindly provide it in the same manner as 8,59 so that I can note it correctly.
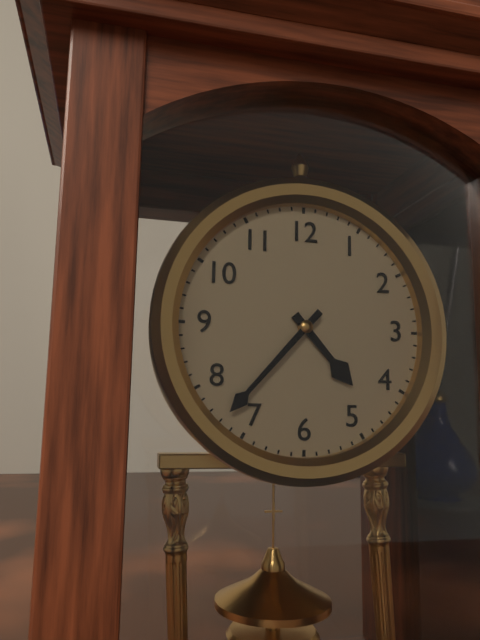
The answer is 4,37
